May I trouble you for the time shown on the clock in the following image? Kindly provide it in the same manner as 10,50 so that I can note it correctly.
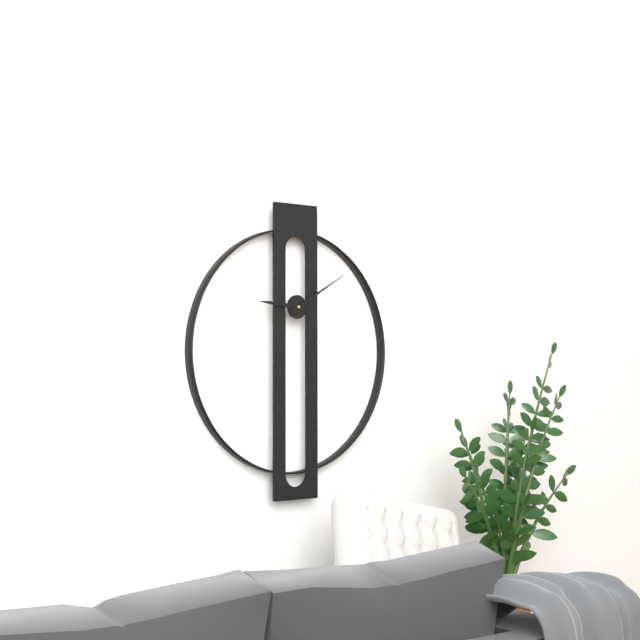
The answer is 9,10
